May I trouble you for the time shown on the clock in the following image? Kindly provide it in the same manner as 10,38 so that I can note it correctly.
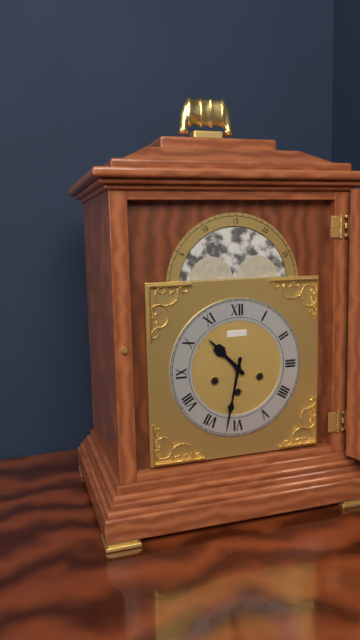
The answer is 10,32
